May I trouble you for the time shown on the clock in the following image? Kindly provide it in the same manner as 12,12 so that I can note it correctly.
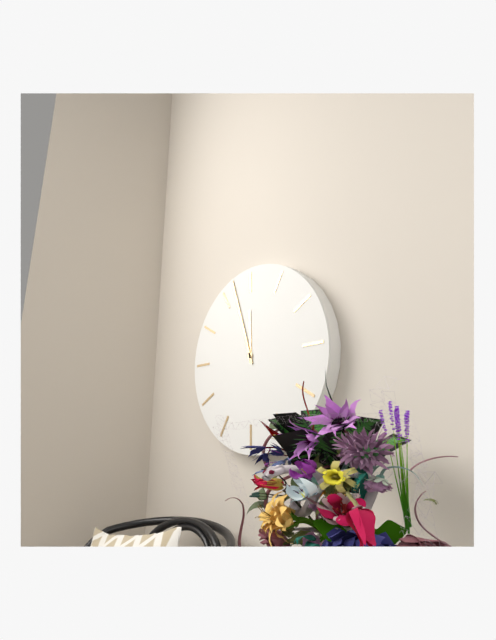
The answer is 11,57
